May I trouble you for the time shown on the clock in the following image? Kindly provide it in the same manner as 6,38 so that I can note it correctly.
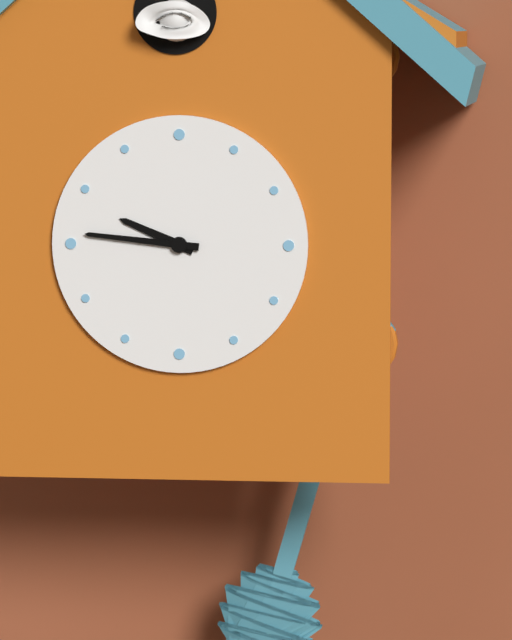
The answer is 9,46
